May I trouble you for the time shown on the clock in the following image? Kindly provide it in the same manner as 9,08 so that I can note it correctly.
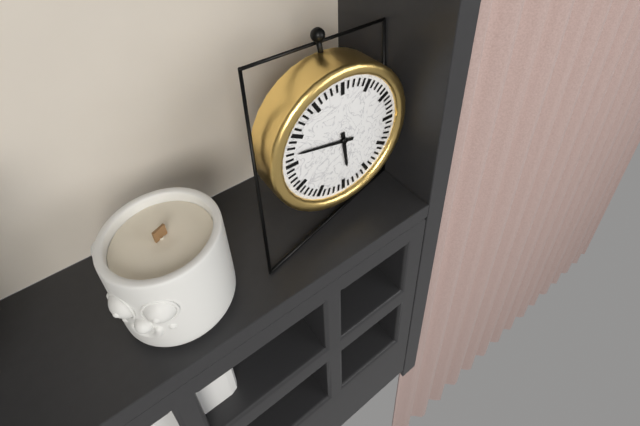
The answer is 5,47
